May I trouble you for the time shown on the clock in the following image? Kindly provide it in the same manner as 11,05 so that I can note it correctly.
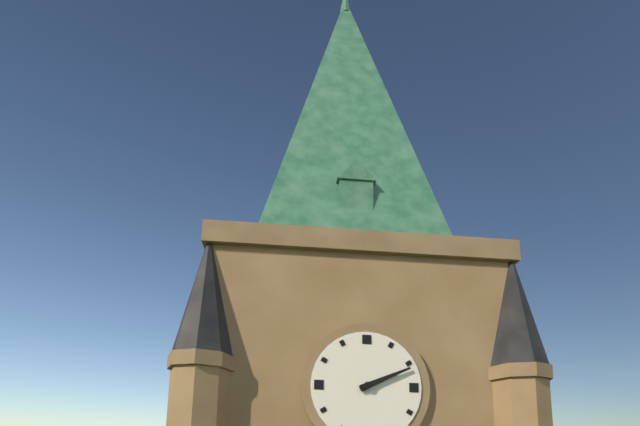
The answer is 2,11
